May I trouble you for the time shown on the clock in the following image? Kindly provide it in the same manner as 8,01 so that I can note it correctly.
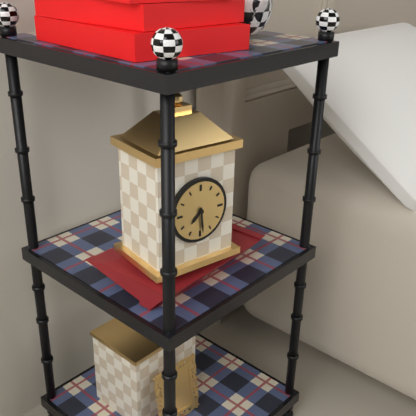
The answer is 7,29
